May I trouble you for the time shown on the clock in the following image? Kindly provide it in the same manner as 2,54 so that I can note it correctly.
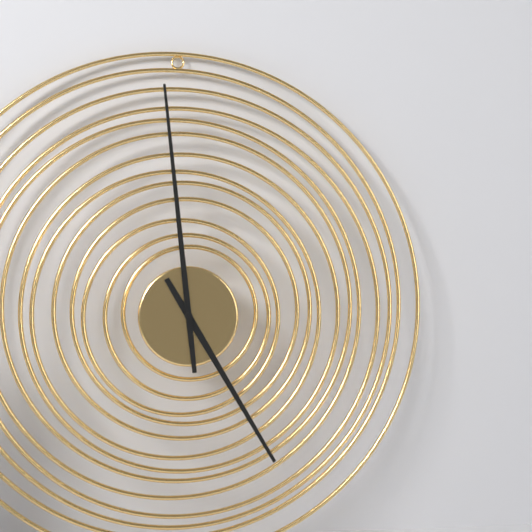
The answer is 4,59
